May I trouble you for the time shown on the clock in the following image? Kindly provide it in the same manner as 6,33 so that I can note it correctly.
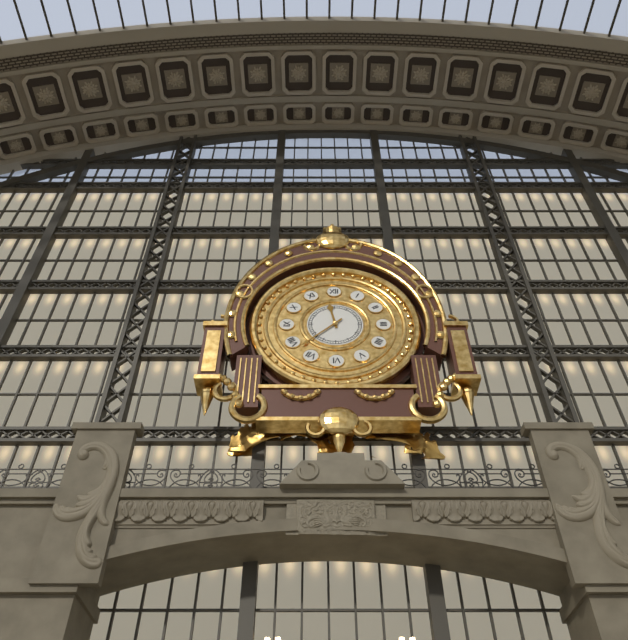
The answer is 11,38
